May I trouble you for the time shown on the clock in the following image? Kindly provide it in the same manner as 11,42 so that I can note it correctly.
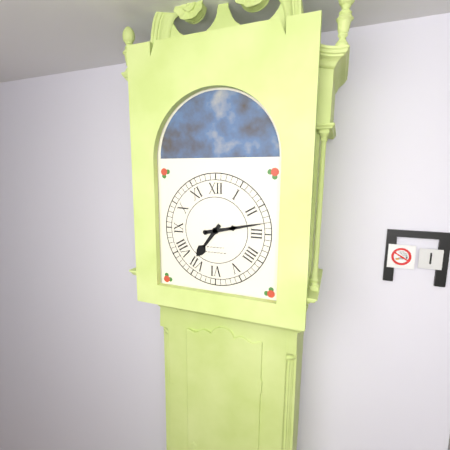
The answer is 7,13
